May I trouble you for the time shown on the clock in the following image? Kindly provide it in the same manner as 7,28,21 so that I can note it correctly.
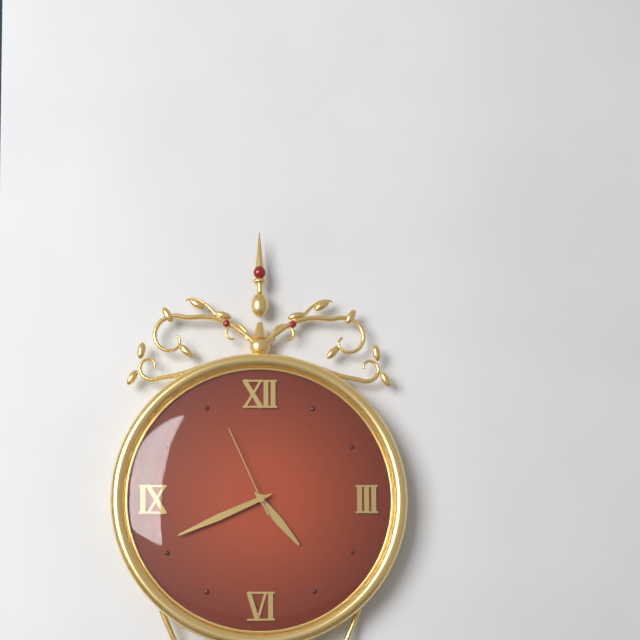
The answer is 4,41,56
